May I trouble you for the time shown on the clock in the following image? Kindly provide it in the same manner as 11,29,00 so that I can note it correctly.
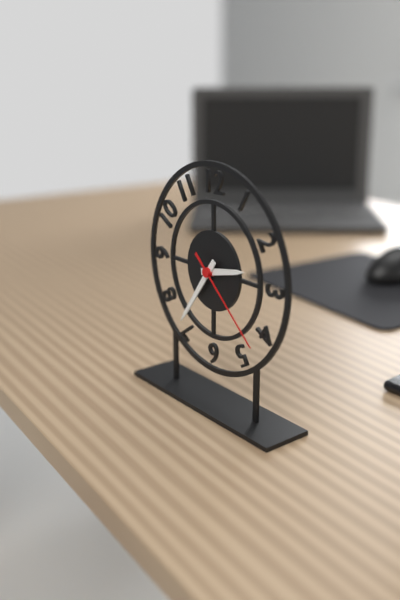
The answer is 2,36,22
